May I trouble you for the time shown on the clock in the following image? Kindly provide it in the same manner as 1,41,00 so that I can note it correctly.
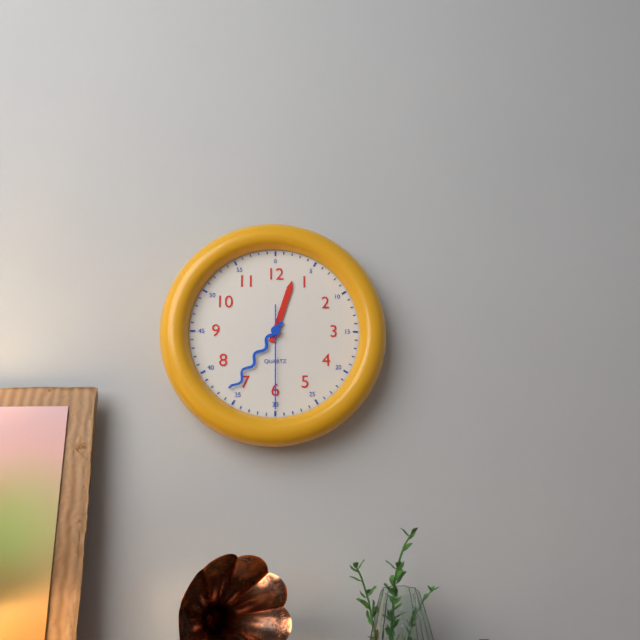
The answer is 12,36,30
